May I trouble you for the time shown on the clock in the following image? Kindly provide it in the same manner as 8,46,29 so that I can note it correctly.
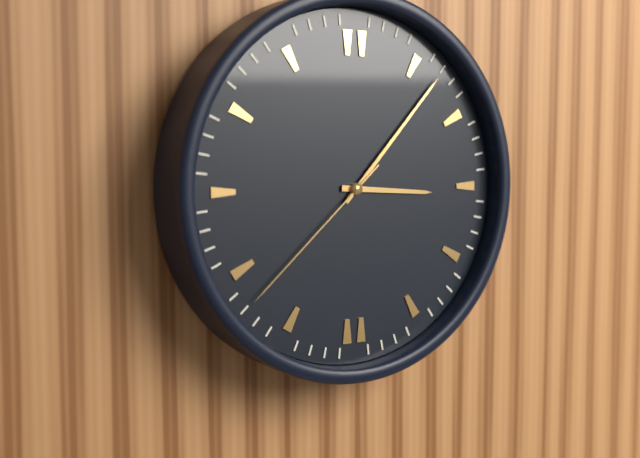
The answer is 3,07,38
